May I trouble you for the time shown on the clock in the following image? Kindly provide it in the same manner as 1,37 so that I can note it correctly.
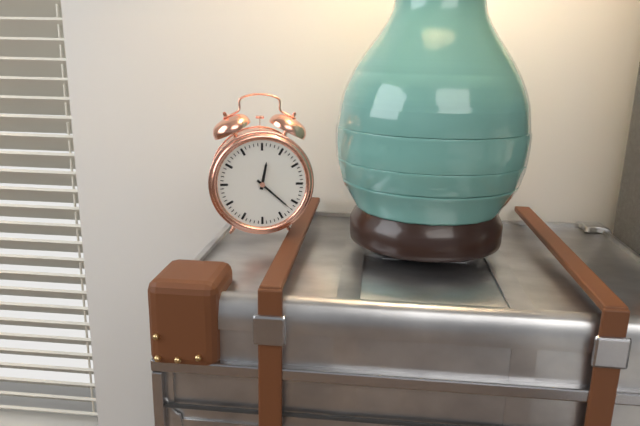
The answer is 12,22
